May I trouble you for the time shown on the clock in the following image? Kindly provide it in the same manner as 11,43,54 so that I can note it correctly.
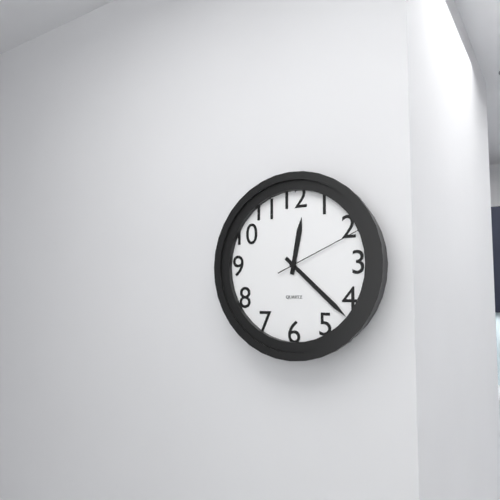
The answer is 12,22,11
